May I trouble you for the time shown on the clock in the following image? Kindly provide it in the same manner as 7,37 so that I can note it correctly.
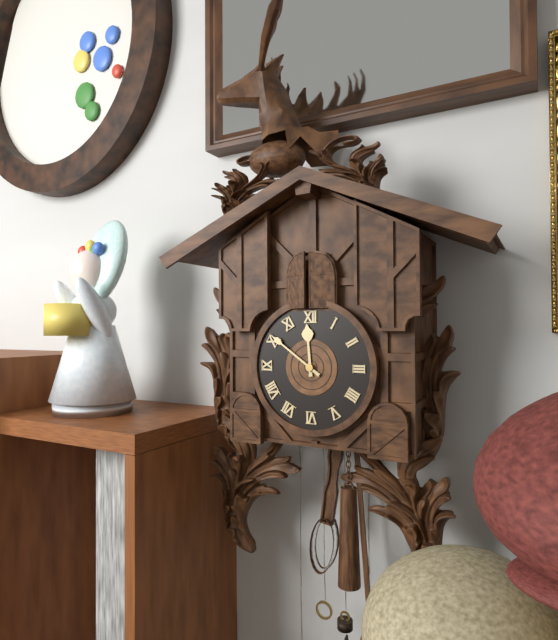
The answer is 11,51
